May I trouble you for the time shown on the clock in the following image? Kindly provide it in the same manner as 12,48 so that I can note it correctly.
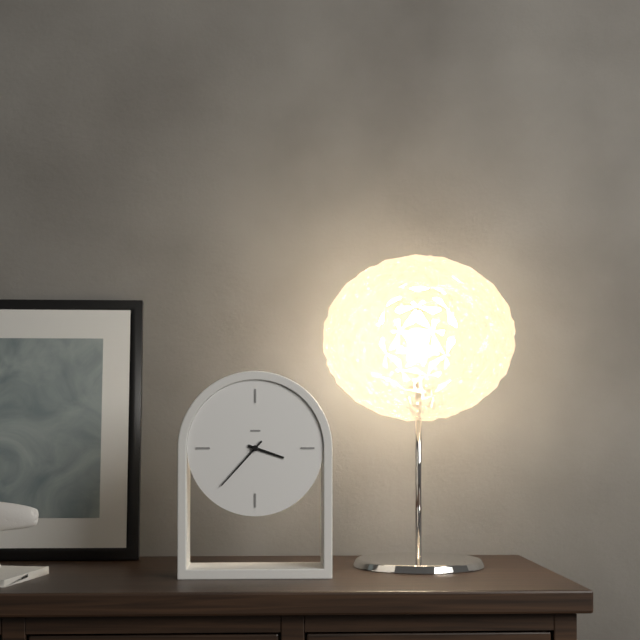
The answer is 3,37
